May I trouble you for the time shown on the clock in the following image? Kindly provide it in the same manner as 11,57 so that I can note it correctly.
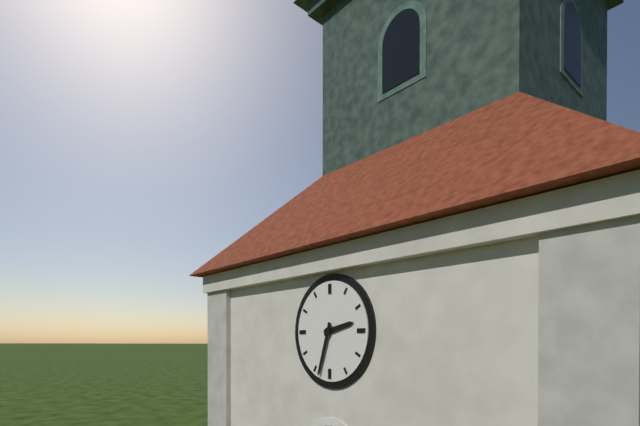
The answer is 2,33
